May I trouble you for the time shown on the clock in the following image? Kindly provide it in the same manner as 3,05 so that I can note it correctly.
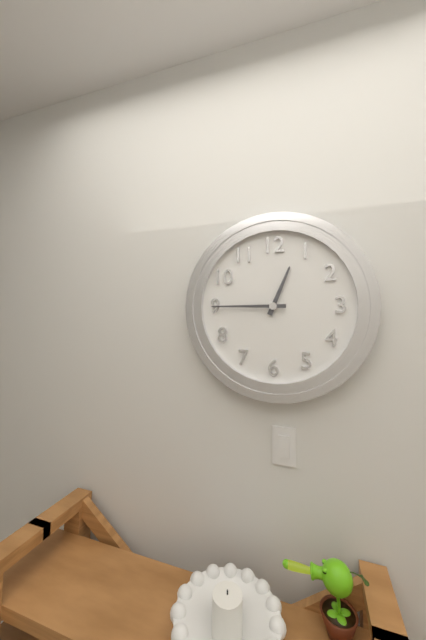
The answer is 12,45
